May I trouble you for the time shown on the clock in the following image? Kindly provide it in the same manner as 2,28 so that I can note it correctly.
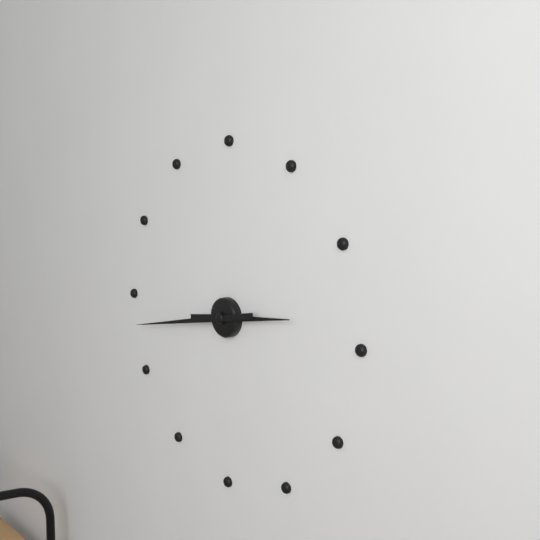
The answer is 2,43
